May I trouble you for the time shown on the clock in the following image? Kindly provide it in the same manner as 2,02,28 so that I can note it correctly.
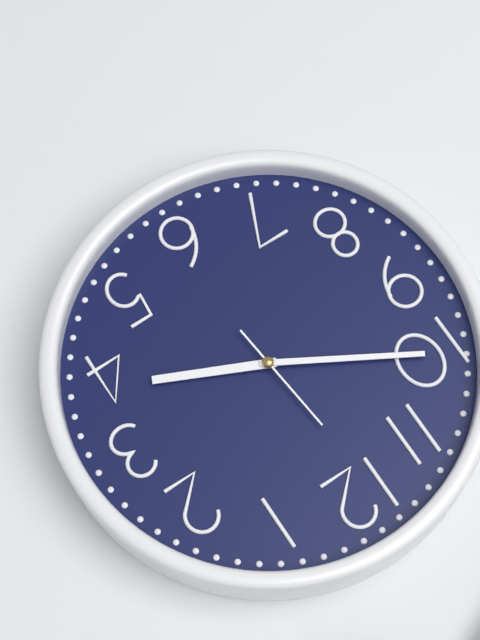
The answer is 3,50,59
